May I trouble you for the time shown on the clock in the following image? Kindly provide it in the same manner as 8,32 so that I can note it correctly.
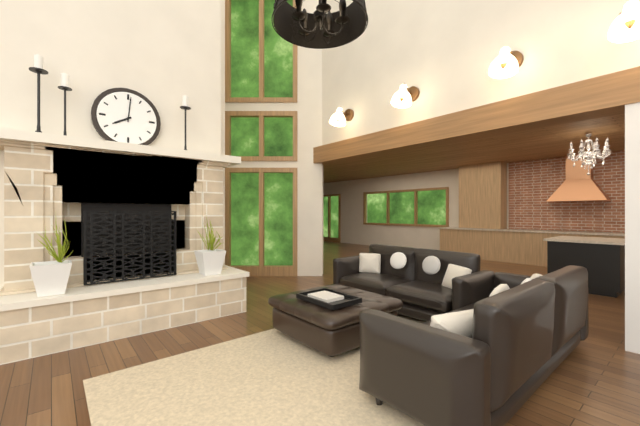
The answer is 8,01
